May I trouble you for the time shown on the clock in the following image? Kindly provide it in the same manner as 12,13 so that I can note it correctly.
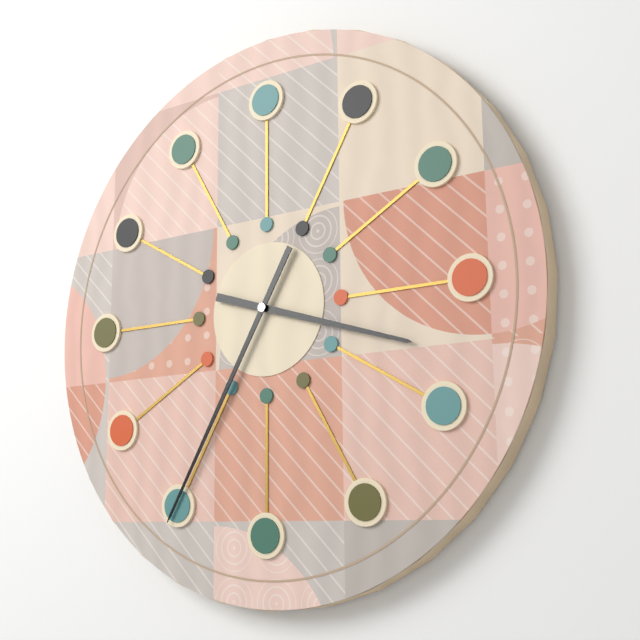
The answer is 3,35
